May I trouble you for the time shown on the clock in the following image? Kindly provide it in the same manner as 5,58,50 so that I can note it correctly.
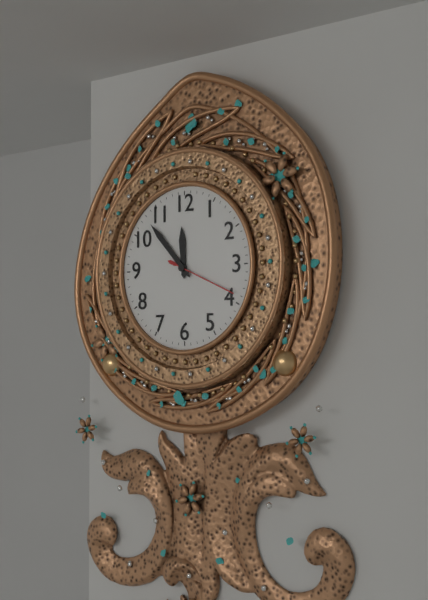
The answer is 11,53,19
